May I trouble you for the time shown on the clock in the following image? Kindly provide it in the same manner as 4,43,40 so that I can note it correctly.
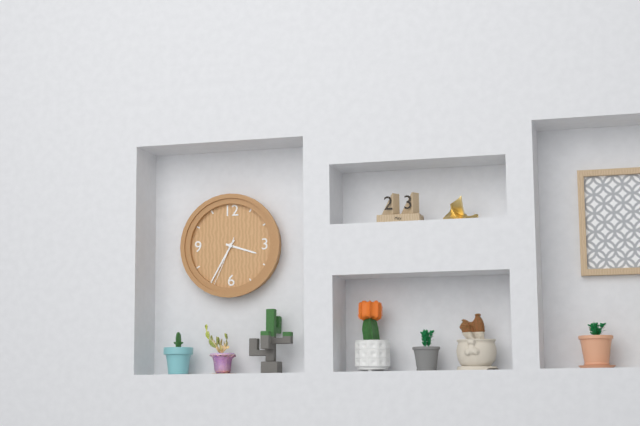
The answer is 3,35,34
